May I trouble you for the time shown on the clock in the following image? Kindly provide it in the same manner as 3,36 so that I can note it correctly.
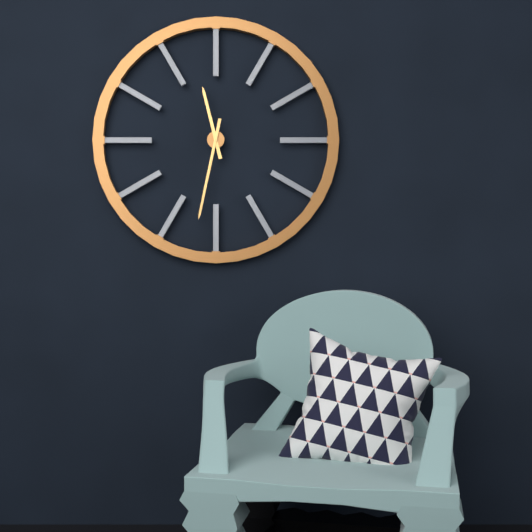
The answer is 11,32
